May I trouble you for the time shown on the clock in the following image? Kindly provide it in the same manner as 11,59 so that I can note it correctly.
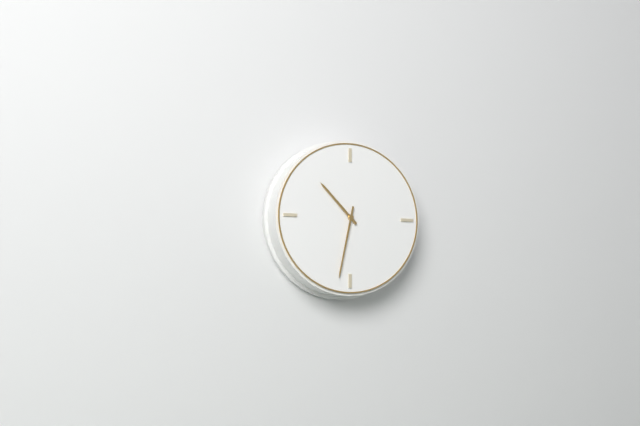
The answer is 10,32
